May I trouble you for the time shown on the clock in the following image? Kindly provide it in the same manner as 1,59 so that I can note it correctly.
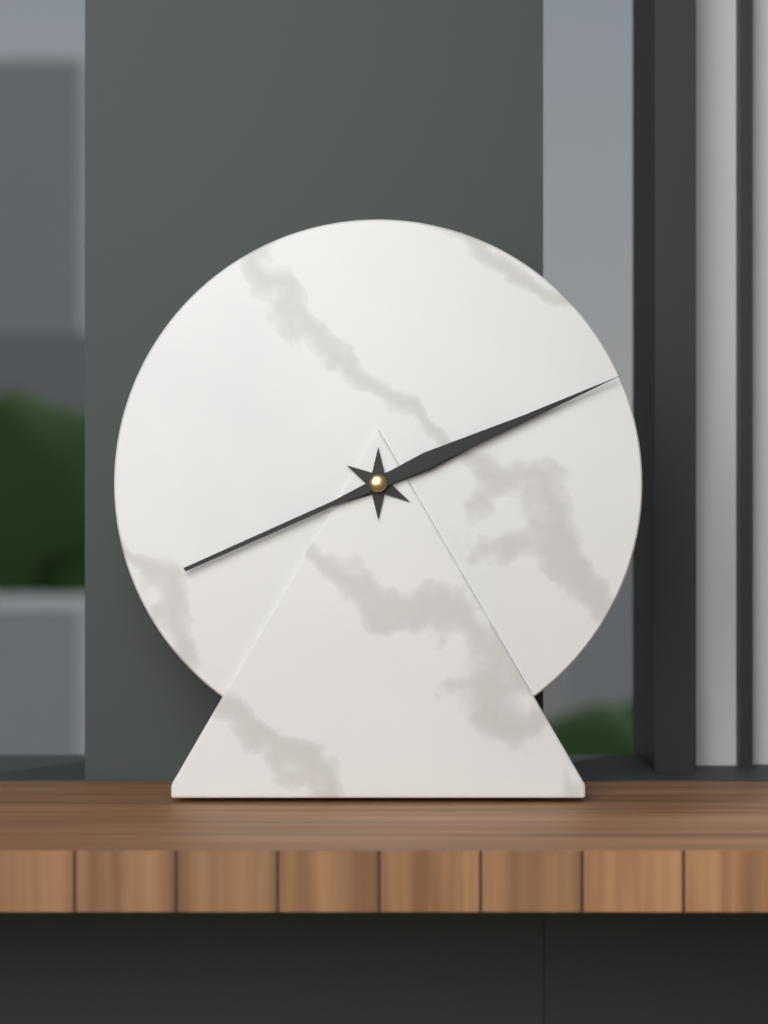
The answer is 2,11
